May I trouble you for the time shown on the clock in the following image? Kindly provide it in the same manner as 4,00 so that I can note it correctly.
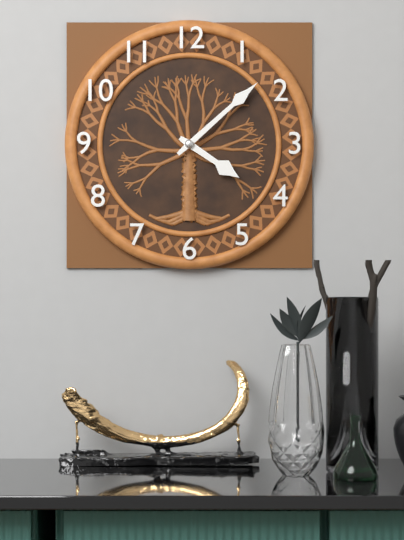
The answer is 4,08
